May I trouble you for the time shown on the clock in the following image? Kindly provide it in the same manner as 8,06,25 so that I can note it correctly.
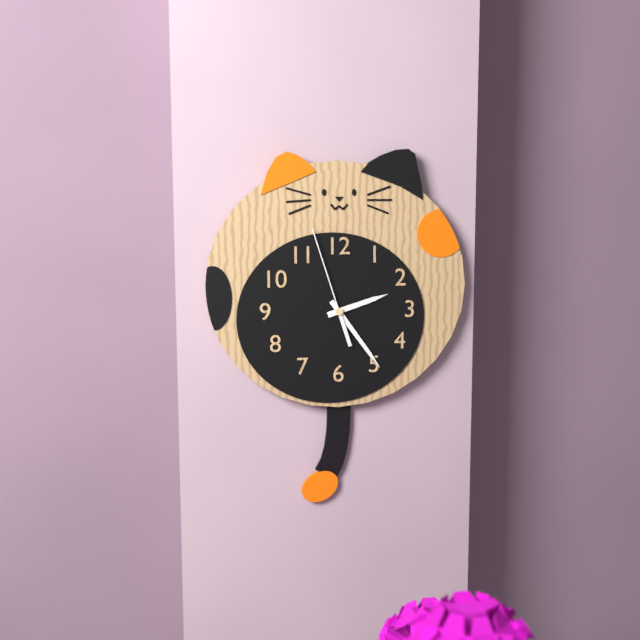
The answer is 2,24,57
